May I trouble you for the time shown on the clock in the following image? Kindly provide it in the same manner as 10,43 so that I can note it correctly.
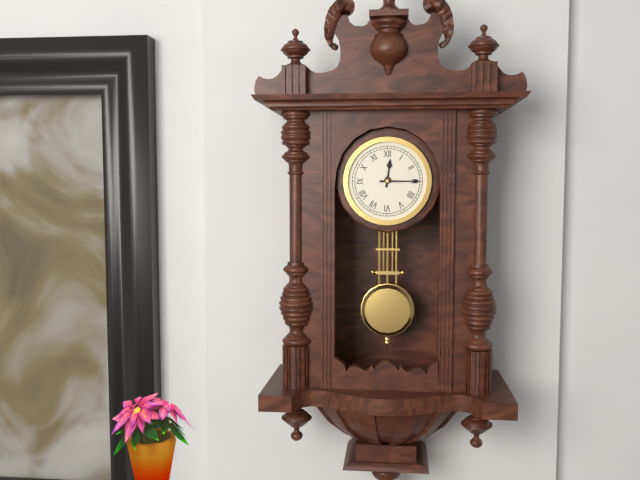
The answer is 12,15
